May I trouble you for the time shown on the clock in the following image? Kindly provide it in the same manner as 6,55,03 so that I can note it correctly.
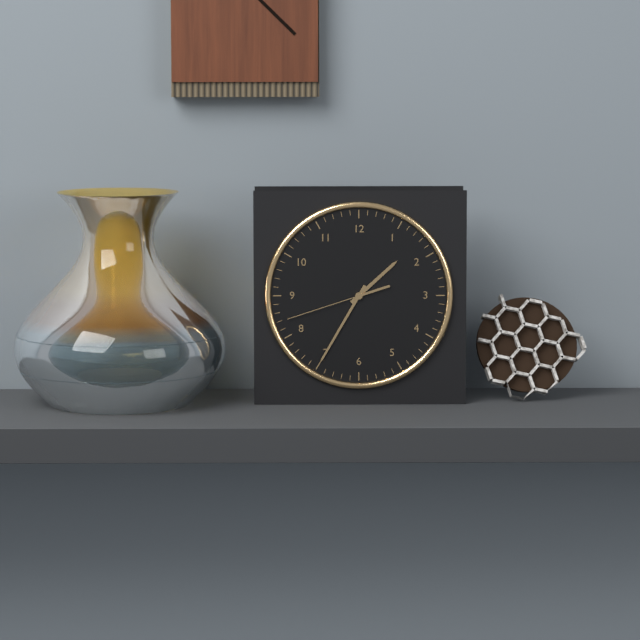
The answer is 1,35,42
